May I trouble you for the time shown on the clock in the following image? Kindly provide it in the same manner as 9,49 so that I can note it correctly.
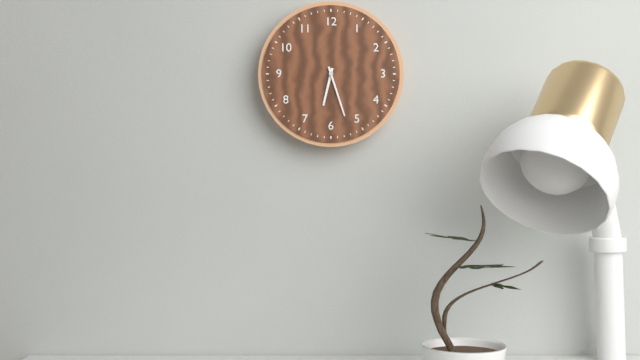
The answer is 6,27
